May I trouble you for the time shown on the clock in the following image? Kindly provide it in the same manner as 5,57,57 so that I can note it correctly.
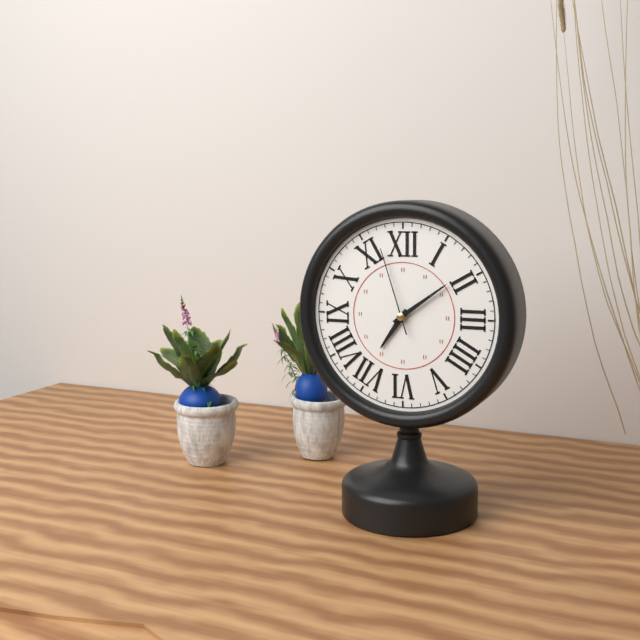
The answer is 7,09,57
